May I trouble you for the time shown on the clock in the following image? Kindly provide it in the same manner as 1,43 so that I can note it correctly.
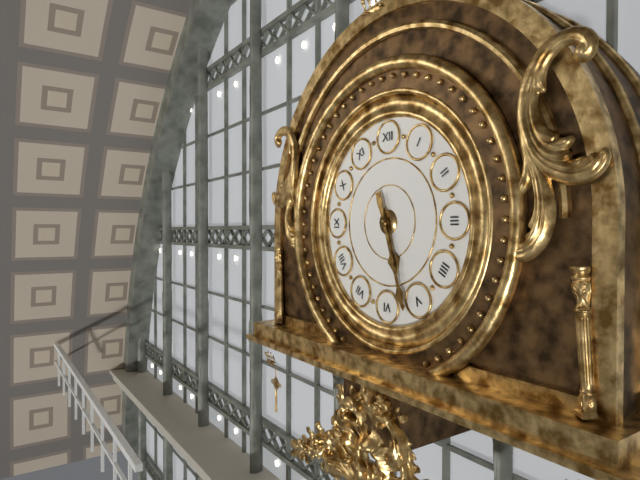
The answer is 5,27
